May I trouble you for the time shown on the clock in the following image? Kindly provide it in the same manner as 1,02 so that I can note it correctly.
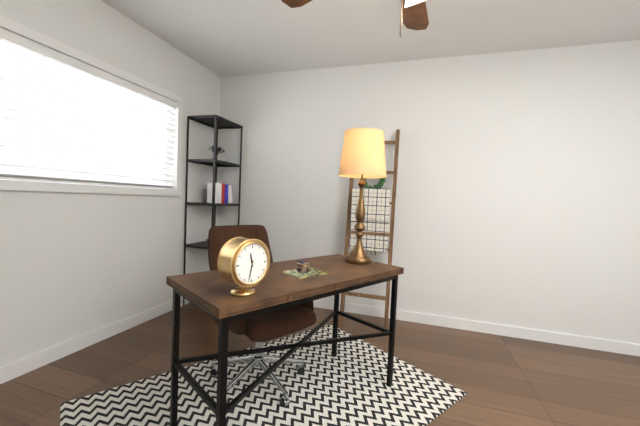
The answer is 11,32
